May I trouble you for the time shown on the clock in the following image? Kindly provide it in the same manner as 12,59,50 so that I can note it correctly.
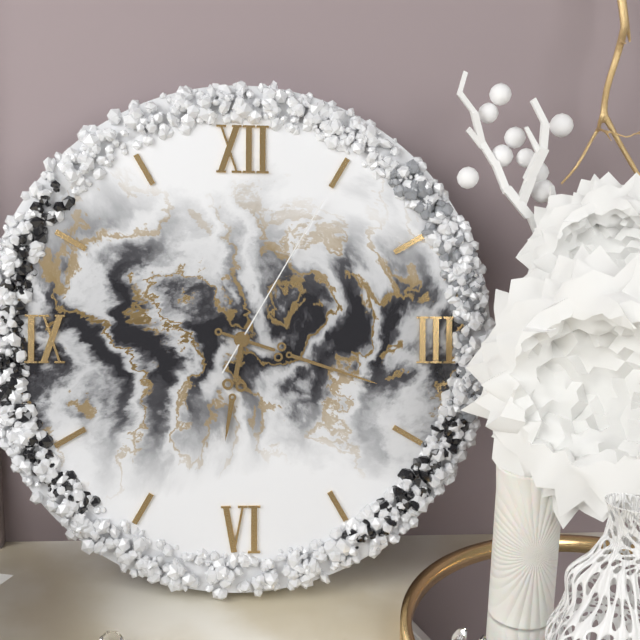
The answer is 6,18,05
